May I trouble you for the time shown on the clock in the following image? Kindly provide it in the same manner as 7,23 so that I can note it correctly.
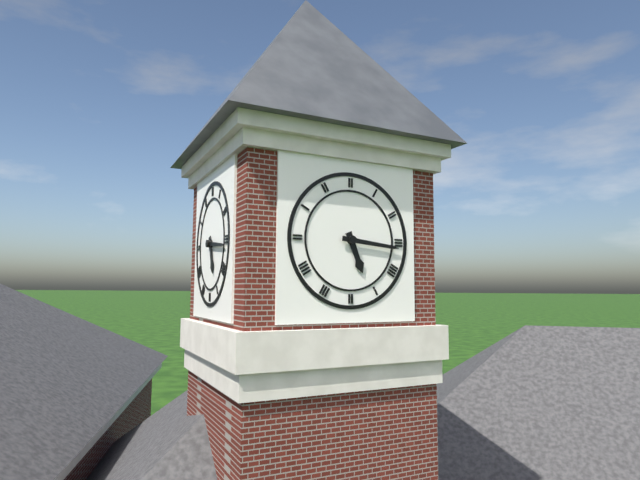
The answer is 5,16
